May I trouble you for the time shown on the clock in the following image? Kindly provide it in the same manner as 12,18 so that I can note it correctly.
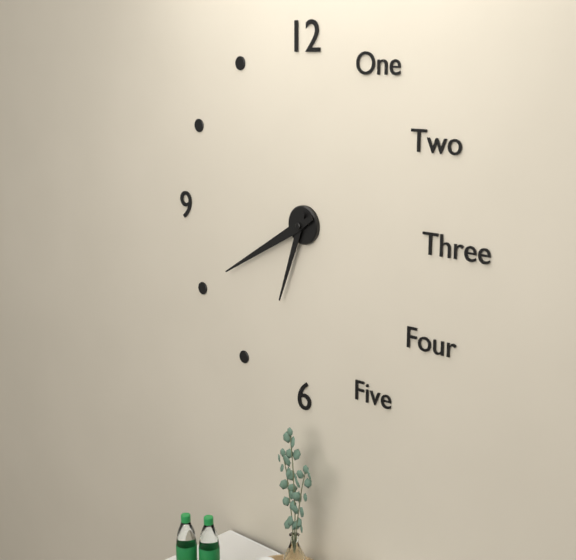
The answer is 6,40
